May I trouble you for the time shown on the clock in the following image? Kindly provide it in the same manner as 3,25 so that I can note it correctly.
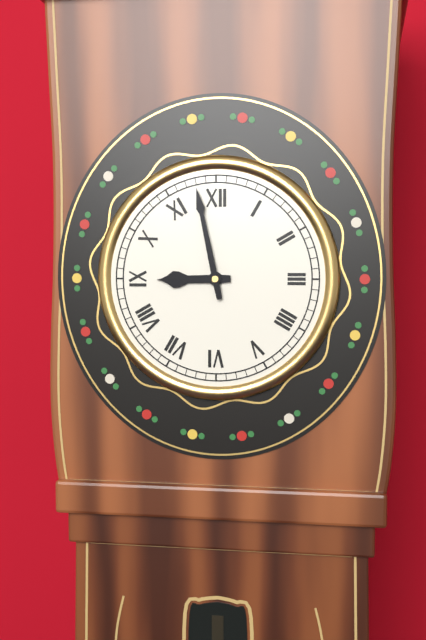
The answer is 8,58
